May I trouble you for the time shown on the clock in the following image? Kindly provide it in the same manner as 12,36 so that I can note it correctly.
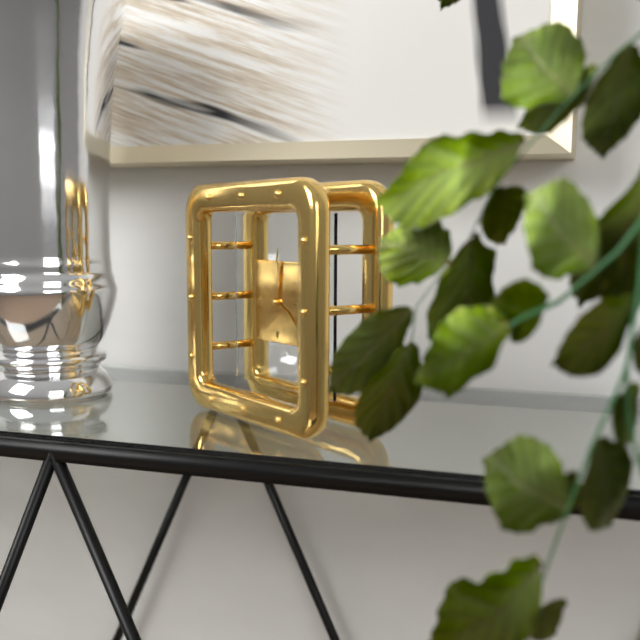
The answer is 4,01
